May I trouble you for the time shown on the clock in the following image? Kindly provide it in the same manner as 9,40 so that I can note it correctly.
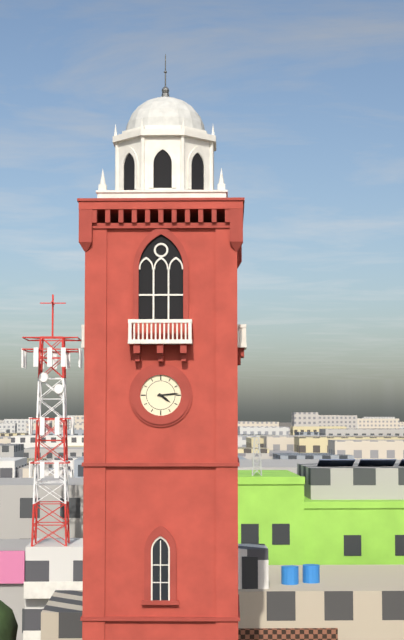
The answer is 4,14
